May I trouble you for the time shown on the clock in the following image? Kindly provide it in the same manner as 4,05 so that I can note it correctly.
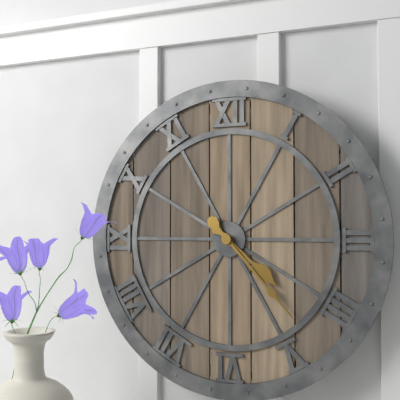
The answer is 4,23
